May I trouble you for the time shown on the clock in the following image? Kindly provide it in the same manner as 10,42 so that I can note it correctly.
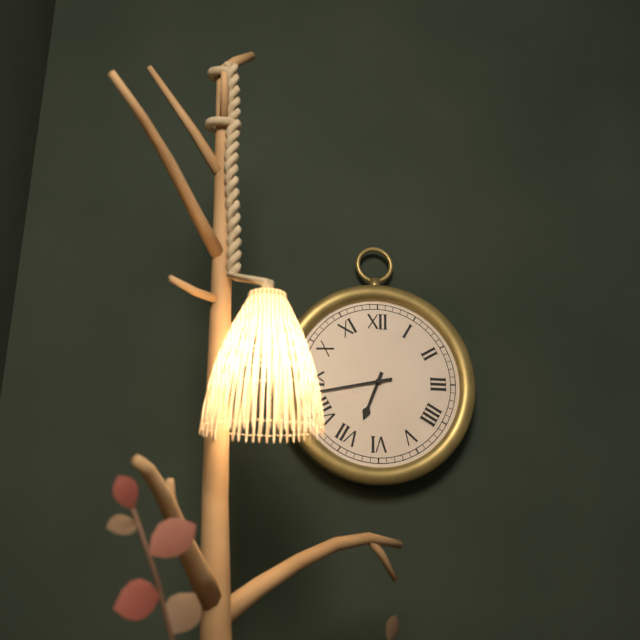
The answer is 6,43
